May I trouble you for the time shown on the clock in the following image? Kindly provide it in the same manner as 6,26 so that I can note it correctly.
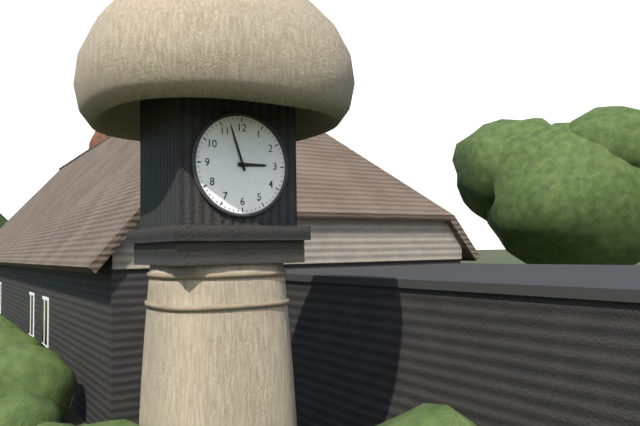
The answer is 2,57
